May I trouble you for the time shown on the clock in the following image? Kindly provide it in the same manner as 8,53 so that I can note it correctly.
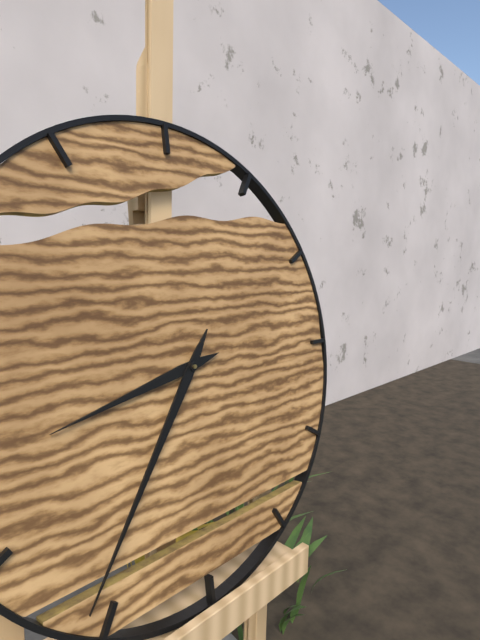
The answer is 8,36
